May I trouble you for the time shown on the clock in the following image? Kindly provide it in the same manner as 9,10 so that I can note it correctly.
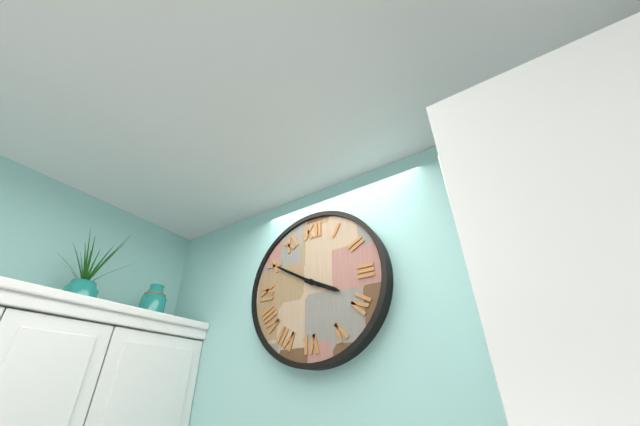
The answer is 3,50
